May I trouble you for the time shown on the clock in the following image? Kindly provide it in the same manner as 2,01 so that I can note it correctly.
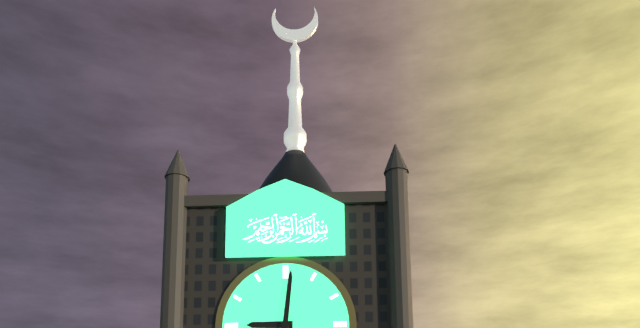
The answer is 9,01
